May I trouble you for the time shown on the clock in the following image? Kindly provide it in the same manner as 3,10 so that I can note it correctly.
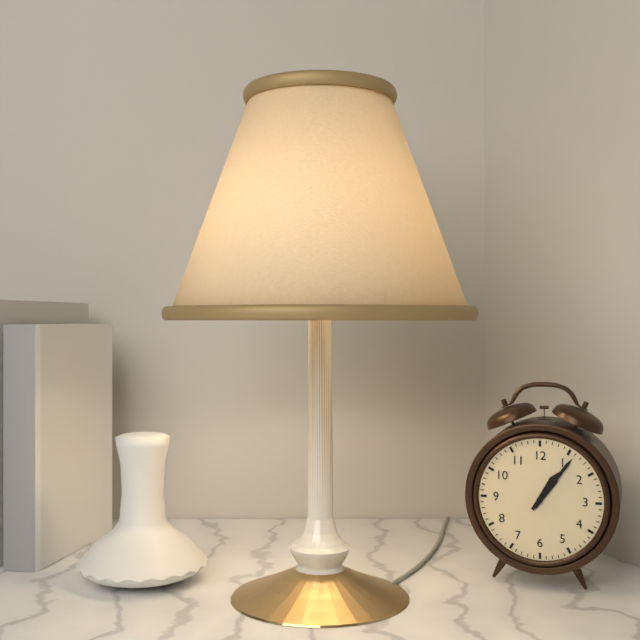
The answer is 1,06
